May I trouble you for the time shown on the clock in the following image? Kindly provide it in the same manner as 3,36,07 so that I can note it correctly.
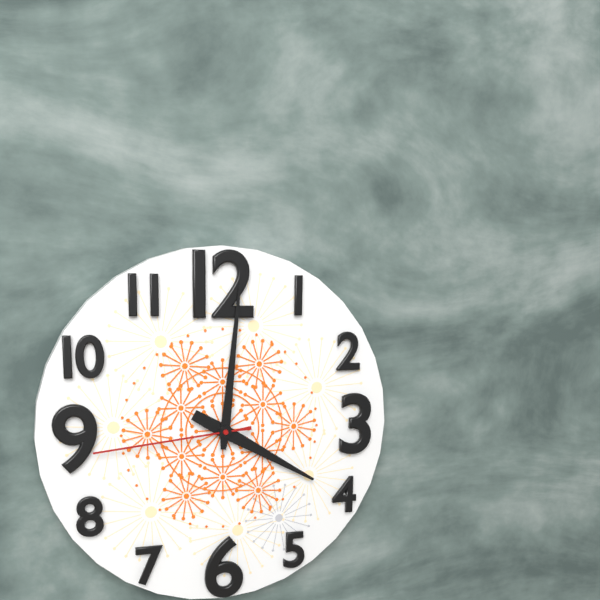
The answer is 4,01,44
